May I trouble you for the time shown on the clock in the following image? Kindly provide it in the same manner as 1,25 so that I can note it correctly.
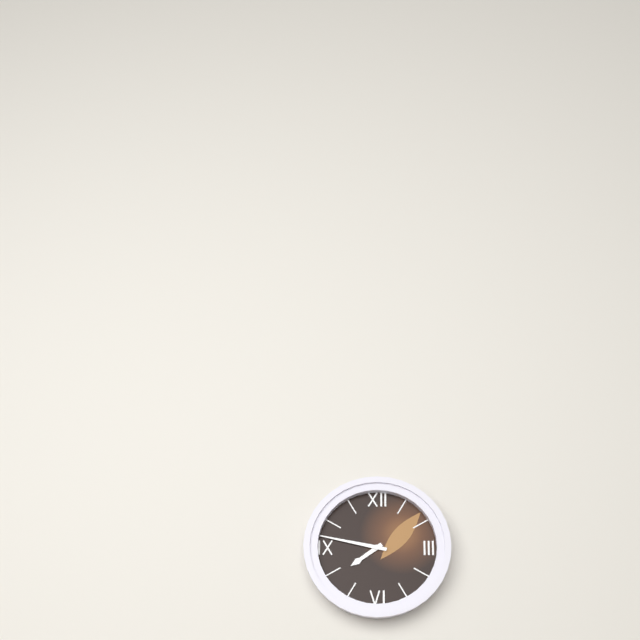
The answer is 7,47
